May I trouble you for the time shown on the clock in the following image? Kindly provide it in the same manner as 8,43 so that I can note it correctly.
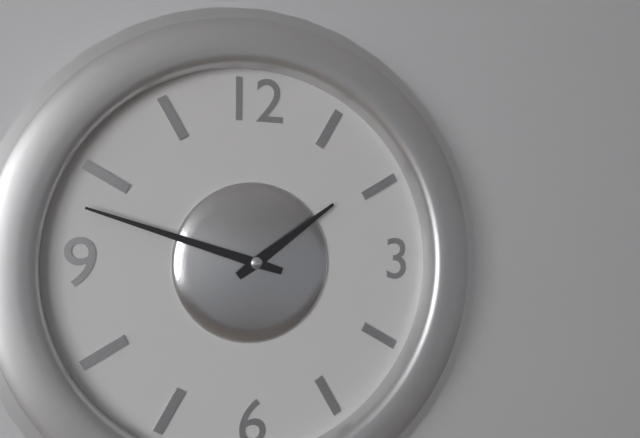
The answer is 1,48
